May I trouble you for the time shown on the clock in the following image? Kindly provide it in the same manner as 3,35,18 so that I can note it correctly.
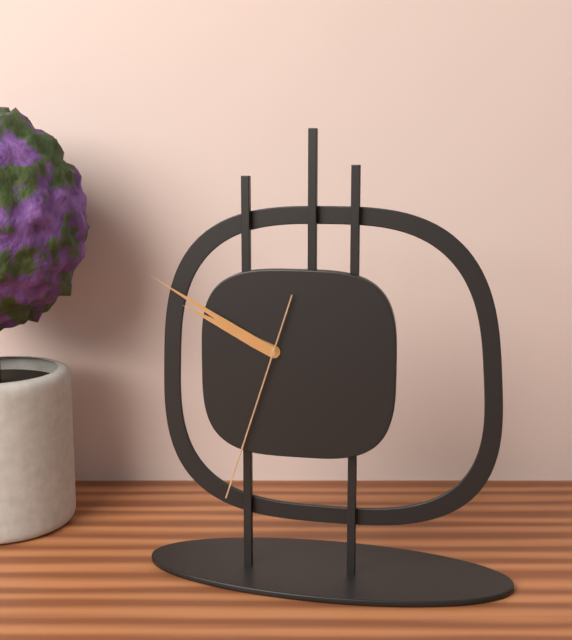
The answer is 9,50,33
